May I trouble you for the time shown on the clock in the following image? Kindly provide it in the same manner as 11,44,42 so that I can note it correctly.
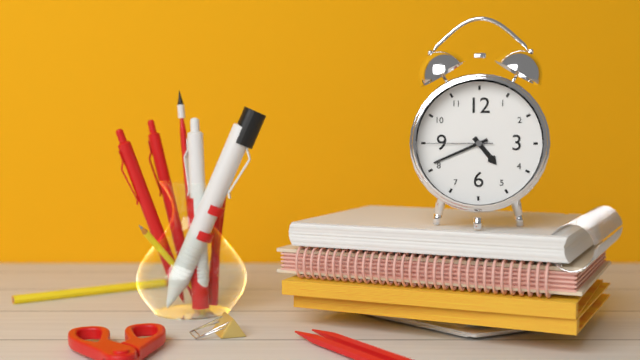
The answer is 4,41,45
